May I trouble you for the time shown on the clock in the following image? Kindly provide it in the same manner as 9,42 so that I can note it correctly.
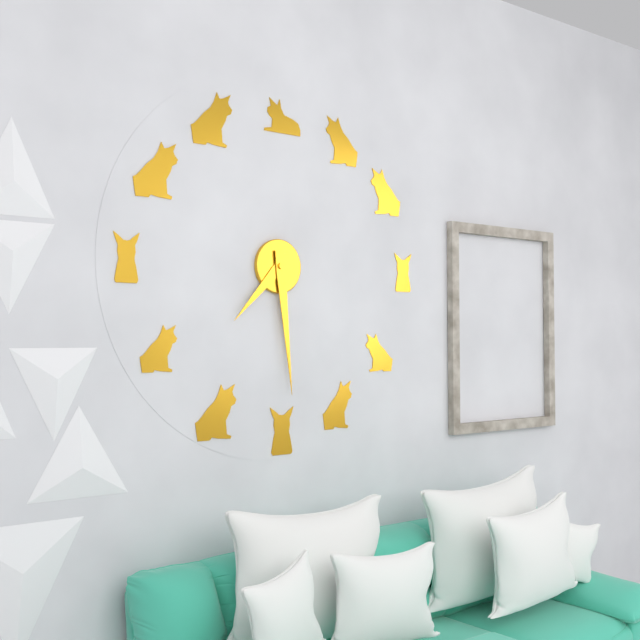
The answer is 7,29
